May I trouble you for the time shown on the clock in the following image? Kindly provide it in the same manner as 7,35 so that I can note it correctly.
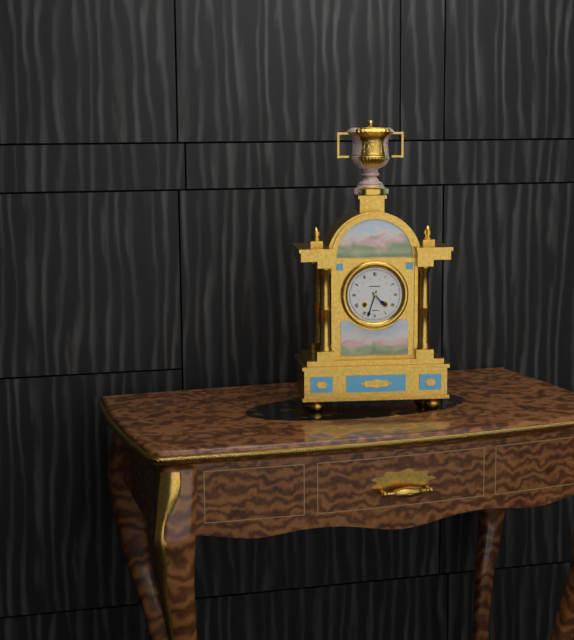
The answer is 4,33
